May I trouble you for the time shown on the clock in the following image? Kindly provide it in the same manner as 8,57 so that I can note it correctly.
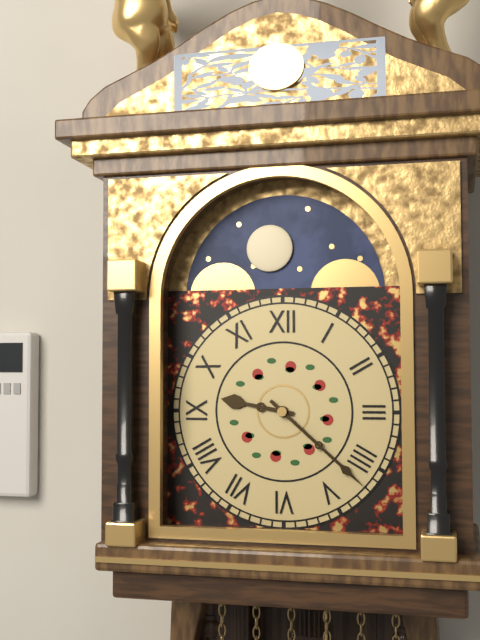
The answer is 9,22
